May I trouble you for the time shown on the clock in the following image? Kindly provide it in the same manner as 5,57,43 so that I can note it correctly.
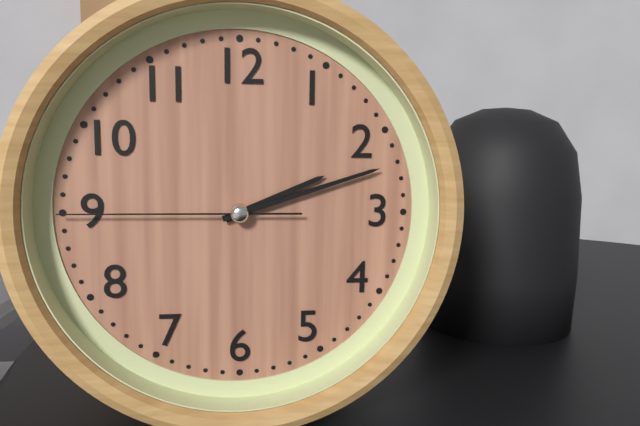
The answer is 2,12,45
